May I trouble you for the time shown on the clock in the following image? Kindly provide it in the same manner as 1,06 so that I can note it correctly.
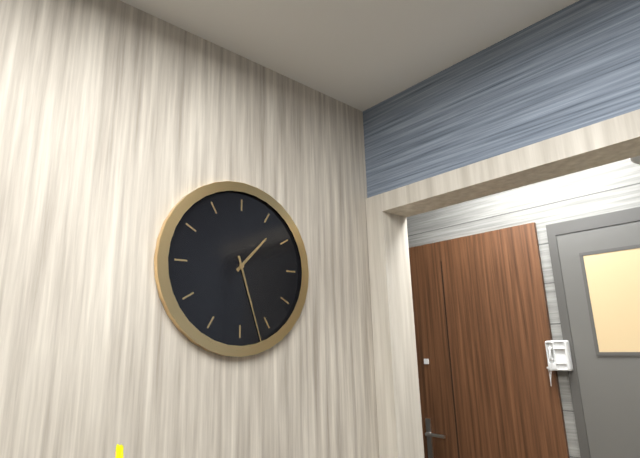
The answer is 1,27
